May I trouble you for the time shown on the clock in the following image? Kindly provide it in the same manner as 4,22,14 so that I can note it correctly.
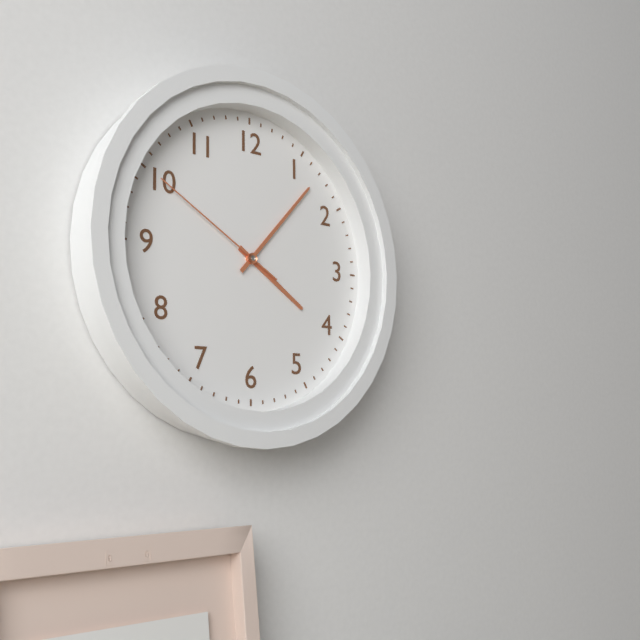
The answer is 4,07,50
